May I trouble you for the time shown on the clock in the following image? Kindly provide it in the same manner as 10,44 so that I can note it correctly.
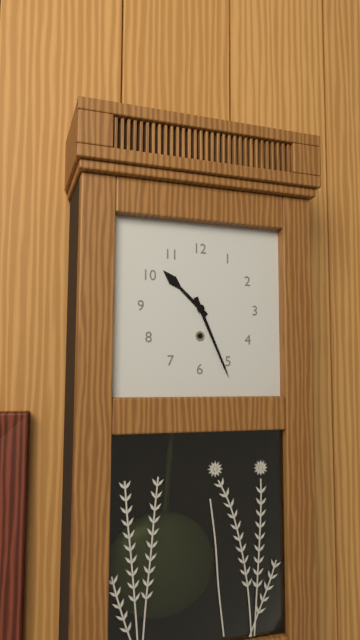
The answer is 10,26
